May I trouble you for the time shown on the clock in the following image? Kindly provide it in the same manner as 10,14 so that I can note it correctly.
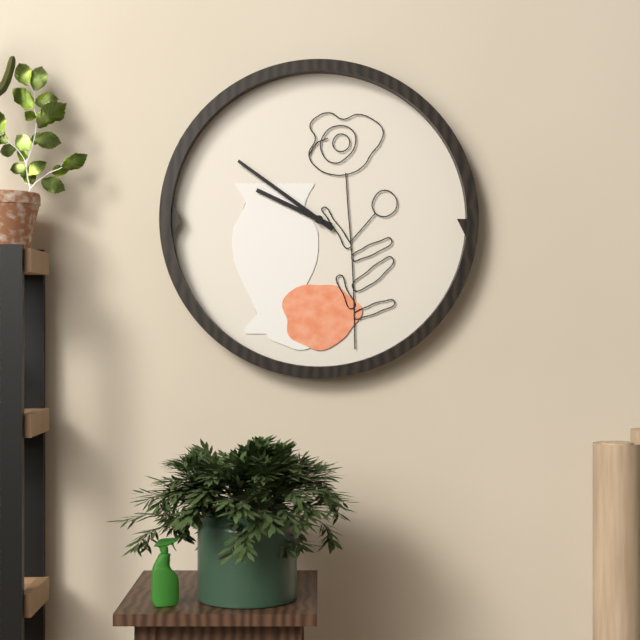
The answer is 9,51
